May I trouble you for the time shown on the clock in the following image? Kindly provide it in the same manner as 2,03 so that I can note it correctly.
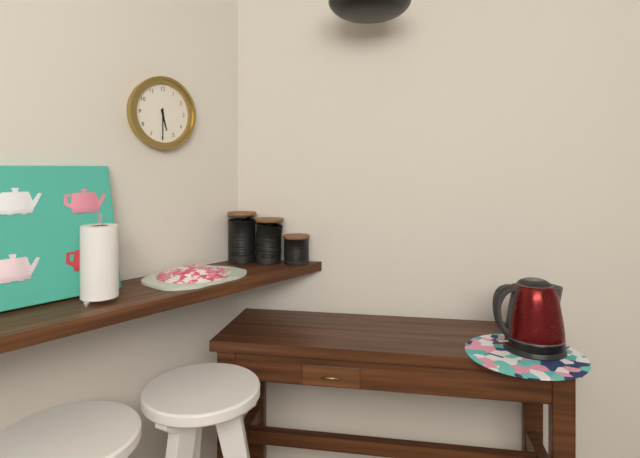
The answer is 5,30
